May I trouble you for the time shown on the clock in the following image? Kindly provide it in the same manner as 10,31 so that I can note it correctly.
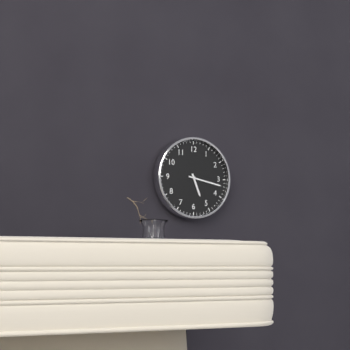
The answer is 5,17
